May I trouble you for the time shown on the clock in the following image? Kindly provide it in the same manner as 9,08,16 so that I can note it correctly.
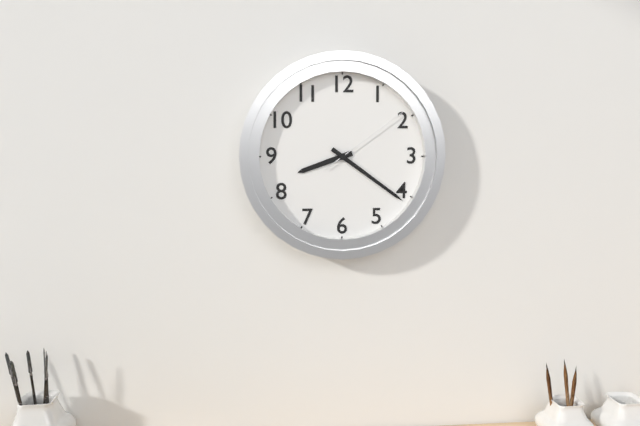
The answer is 8,21,09
